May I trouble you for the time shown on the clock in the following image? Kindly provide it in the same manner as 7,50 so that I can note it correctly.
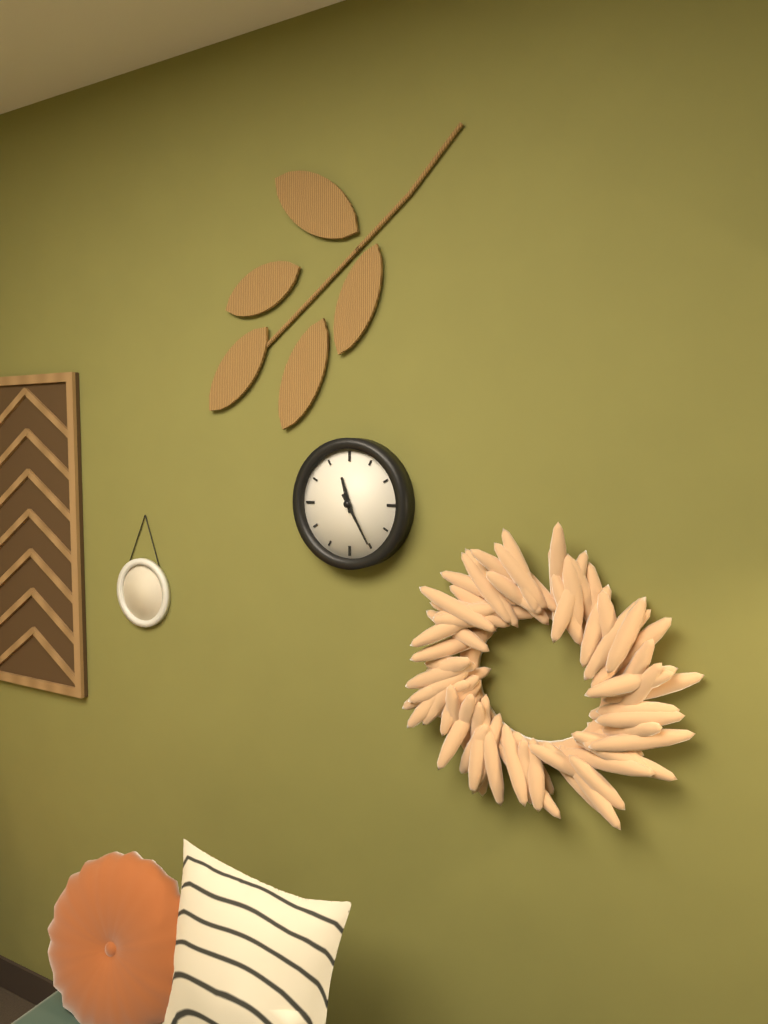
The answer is 11,25
